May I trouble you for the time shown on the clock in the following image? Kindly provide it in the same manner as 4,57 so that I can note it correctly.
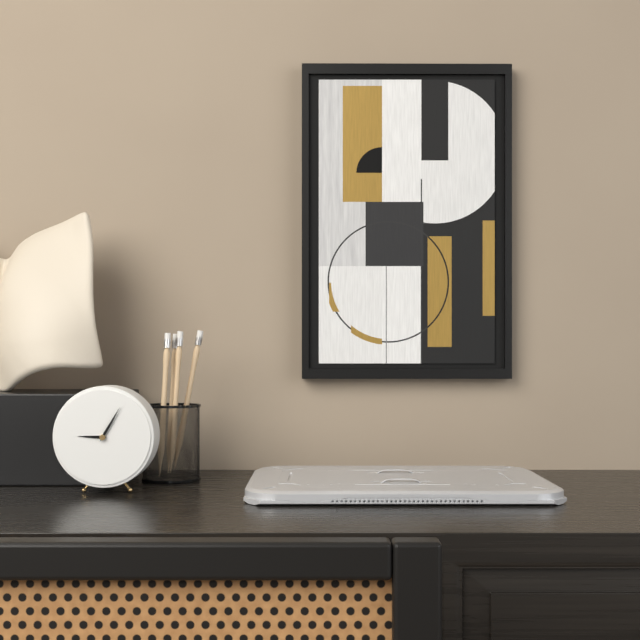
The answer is 9,05
